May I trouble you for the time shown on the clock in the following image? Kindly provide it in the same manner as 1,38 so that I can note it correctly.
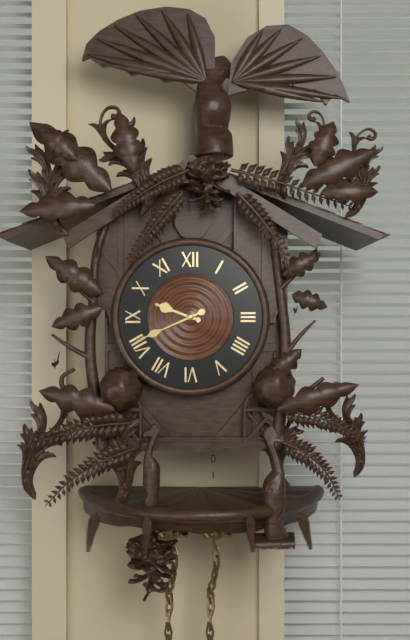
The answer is 9,41
